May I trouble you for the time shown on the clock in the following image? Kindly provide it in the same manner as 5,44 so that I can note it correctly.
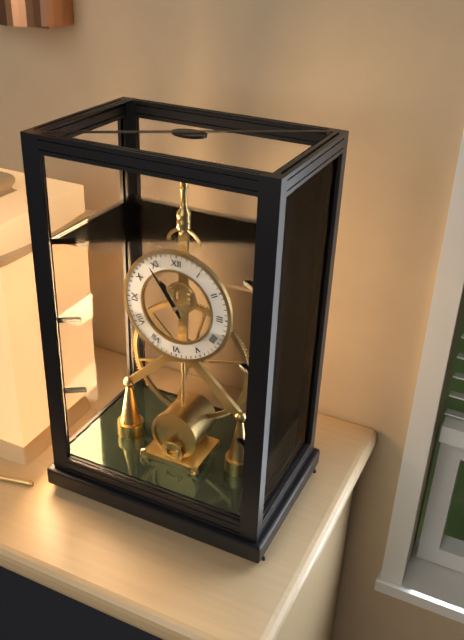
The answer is 10,54
